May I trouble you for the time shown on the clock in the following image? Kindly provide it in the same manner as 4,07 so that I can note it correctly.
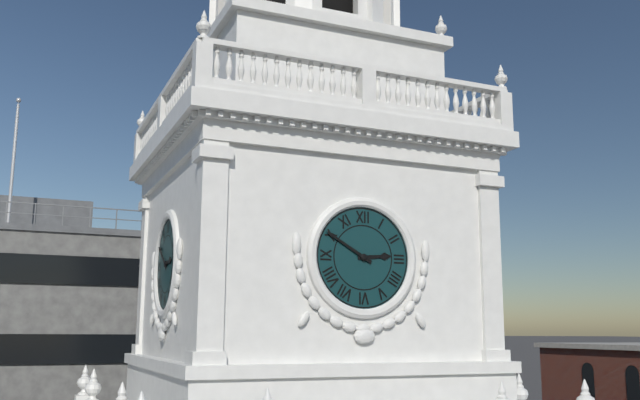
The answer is 2,50
